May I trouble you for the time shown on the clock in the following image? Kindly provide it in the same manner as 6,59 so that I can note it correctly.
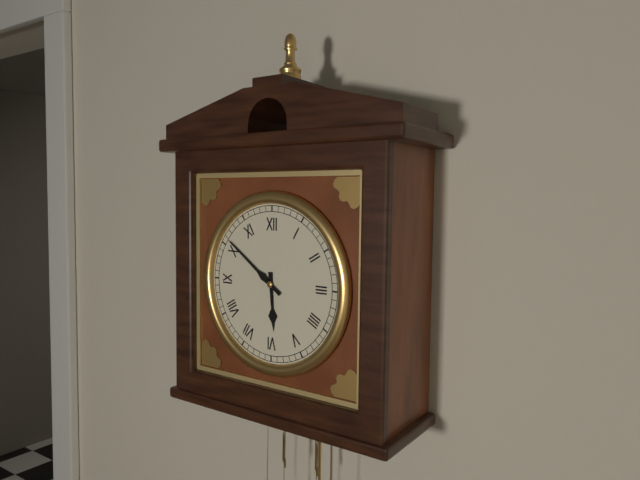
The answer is 5,51
